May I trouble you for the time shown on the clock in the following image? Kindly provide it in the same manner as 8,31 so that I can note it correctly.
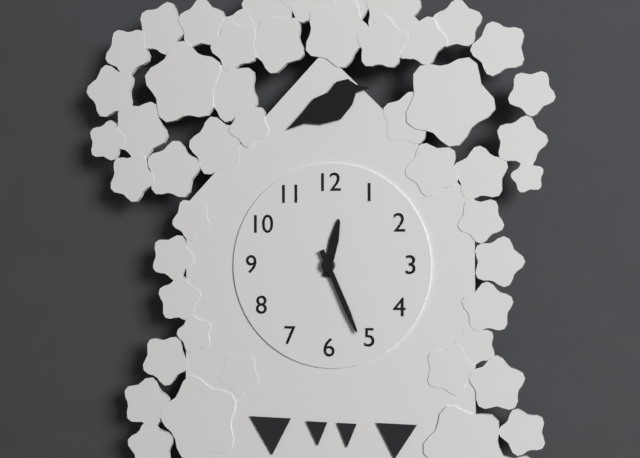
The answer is 12,26
